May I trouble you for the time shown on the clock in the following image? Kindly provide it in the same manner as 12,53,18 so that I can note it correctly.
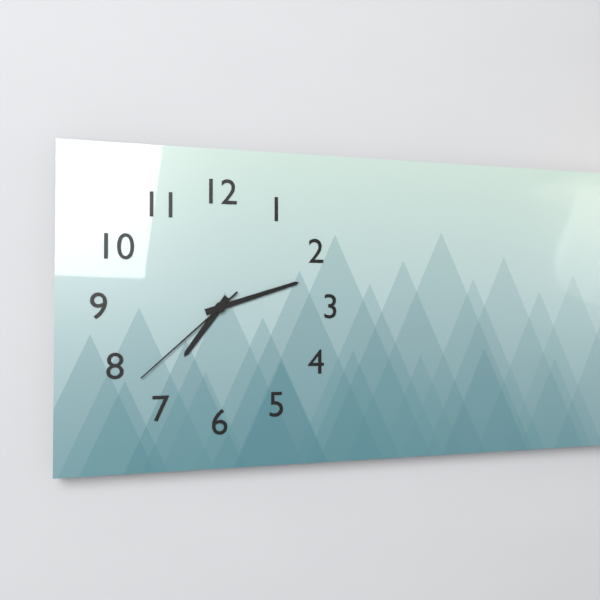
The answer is 7,12,38
